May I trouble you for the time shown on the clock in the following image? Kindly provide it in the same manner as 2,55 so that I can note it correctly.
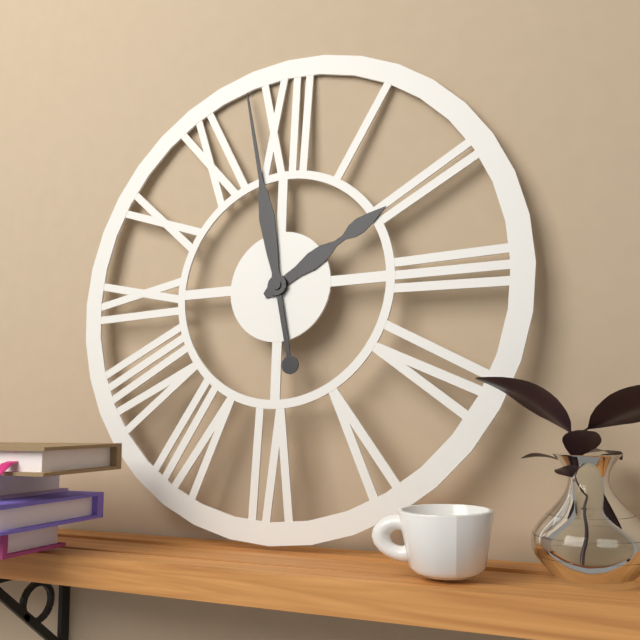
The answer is 1,58
